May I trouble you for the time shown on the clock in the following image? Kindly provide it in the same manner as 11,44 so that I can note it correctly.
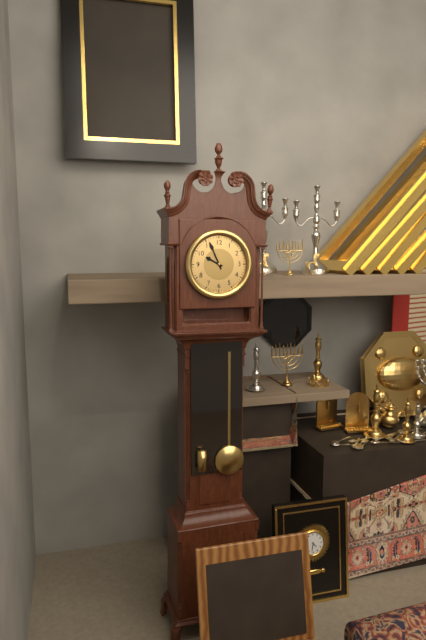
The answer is 9,56
